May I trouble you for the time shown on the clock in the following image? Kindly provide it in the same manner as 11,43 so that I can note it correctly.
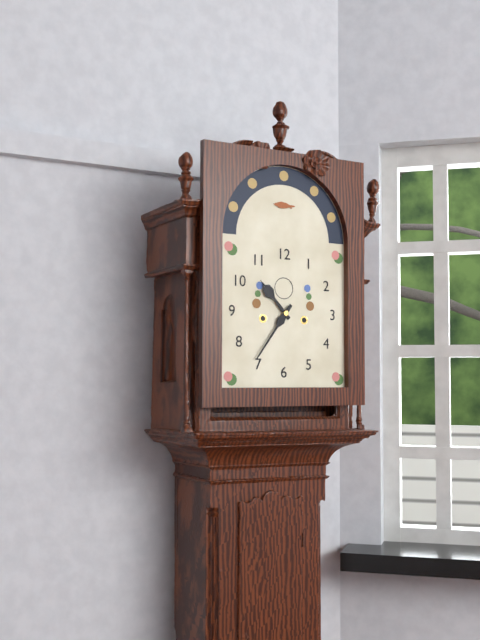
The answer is 10,36
